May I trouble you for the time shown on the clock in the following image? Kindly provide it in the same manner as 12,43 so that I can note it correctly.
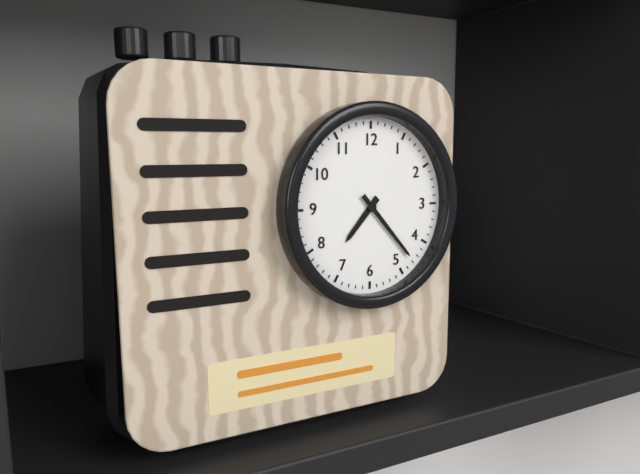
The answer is 7,23
